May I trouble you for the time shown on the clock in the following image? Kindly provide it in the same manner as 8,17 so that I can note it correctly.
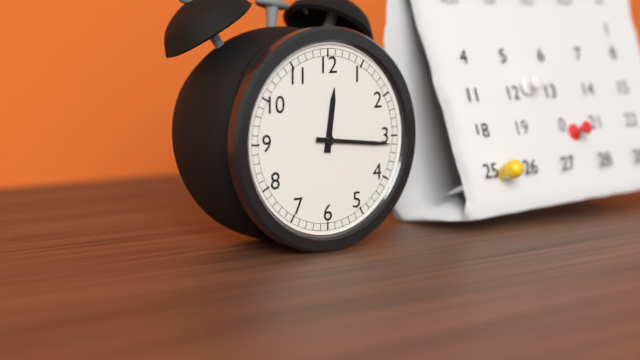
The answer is 12,16
